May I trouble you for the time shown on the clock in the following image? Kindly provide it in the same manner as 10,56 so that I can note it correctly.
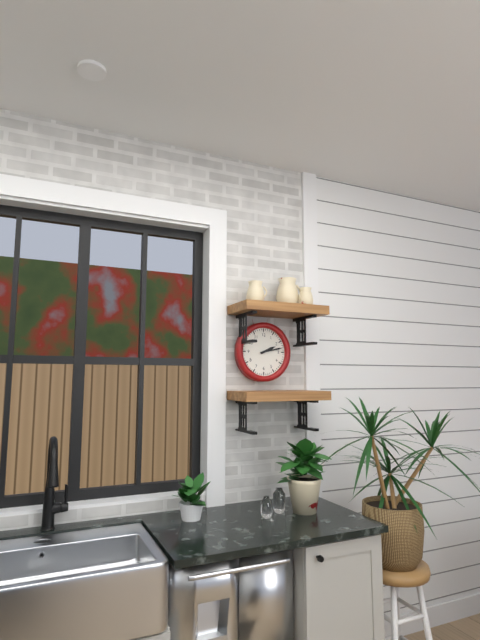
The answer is 2,13
